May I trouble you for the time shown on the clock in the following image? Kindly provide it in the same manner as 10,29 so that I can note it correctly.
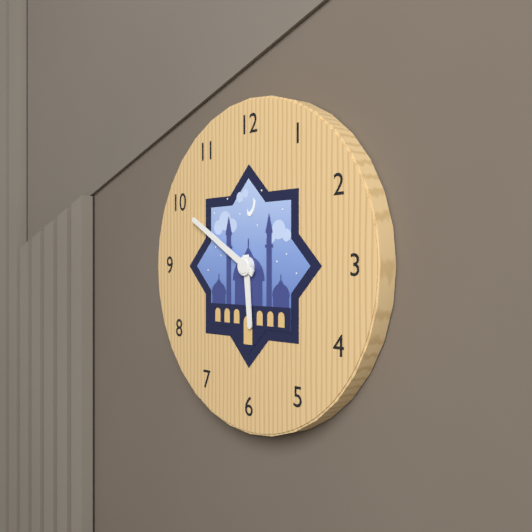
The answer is 5,50
